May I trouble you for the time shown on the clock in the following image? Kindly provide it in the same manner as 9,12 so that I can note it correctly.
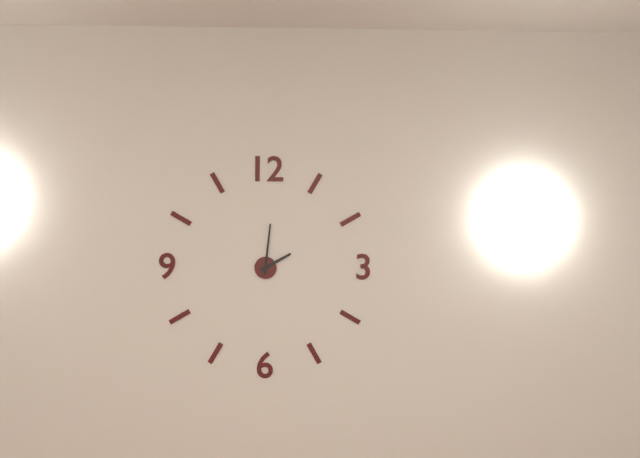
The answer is 2,01
